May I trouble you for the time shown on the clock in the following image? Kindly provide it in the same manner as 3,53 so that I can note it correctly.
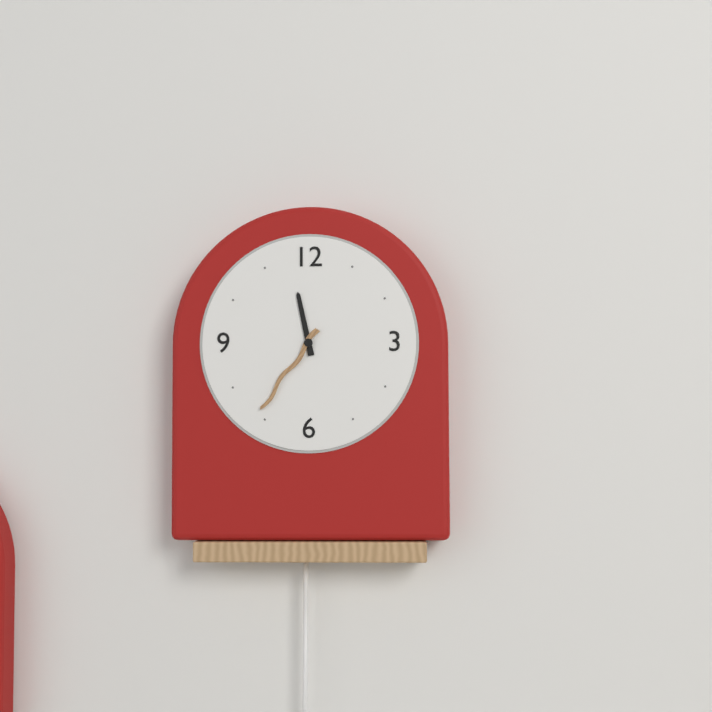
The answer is 11,36
